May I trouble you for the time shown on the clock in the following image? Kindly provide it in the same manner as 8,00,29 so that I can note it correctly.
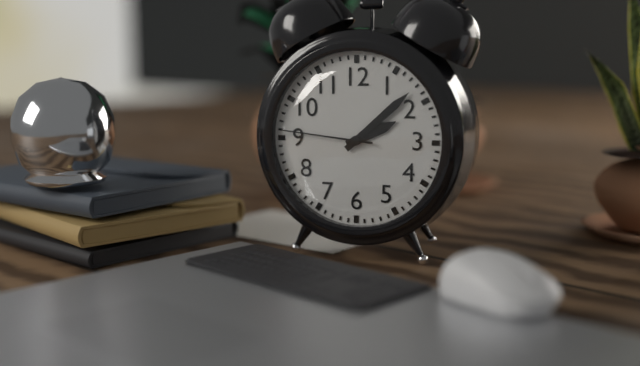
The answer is 2,08,46
